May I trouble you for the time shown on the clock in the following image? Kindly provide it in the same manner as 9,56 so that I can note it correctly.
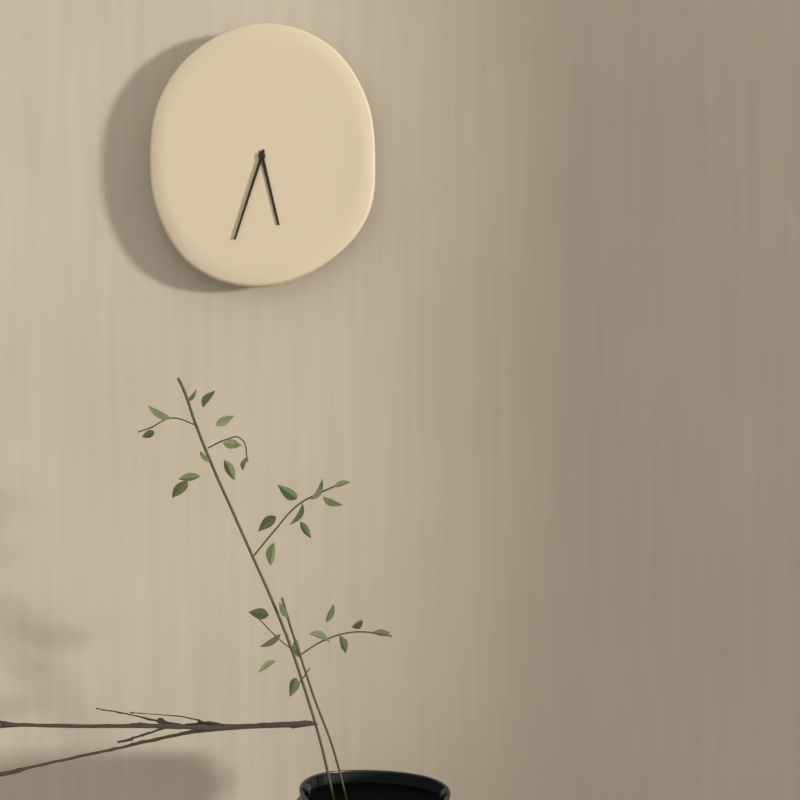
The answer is 5,33
